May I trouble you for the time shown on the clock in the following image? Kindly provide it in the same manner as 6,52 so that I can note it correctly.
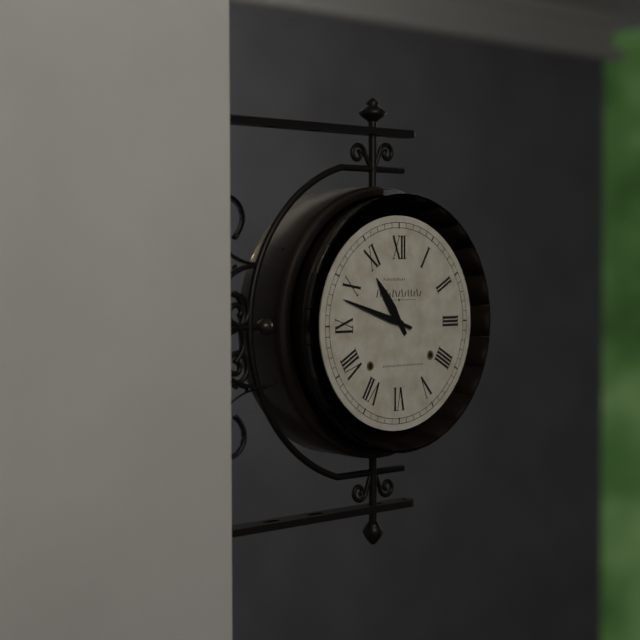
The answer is 10,48
